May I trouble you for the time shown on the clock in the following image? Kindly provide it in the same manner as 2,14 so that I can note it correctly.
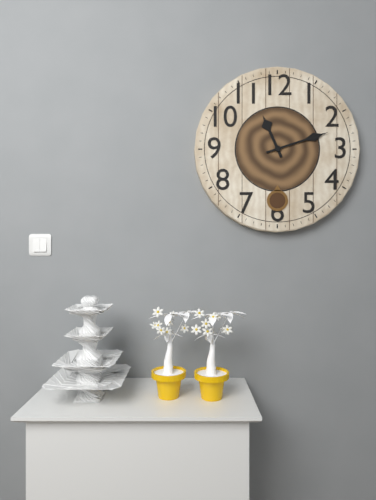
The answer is 11,12
